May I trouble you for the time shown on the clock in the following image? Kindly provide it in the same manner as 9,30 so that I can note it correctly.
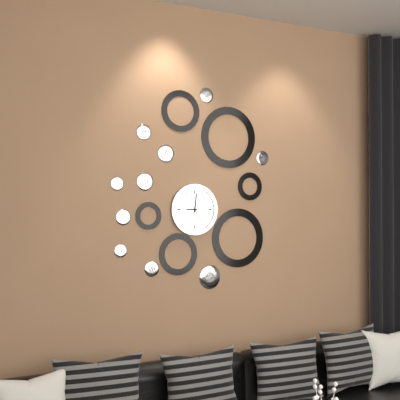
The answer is 9,01
